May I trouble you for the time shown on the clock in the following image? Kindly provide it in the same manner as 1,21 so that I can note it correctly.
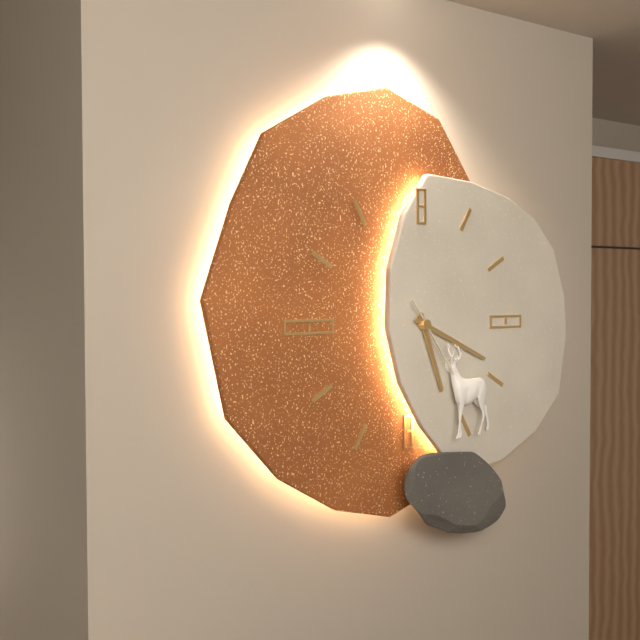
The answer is 5,19
